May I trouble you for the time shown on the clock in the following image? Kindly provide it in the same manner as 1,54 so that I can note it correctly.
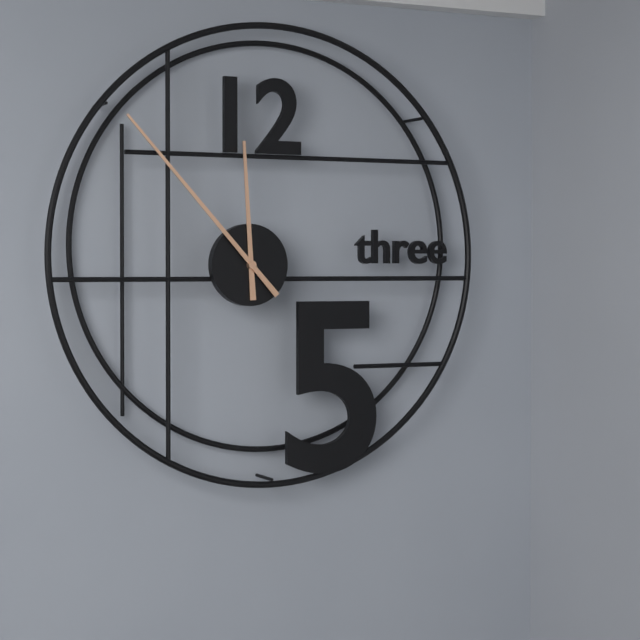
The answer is 11,53
